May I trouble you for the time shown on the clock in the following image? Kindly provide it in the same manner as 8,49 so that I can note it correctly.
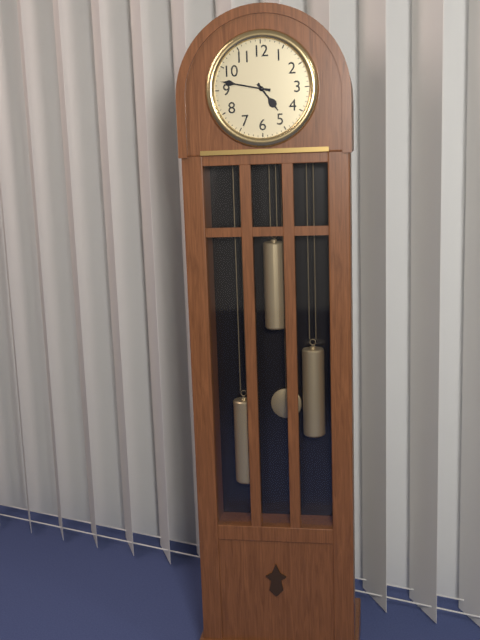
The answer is 4,47
